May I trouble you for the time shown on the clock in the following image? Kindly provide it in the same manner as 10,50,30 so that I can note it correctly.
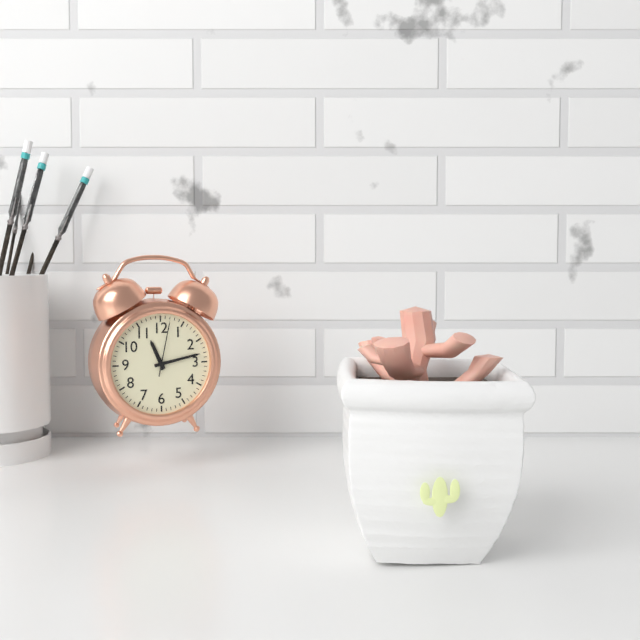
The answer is 11,13,02
